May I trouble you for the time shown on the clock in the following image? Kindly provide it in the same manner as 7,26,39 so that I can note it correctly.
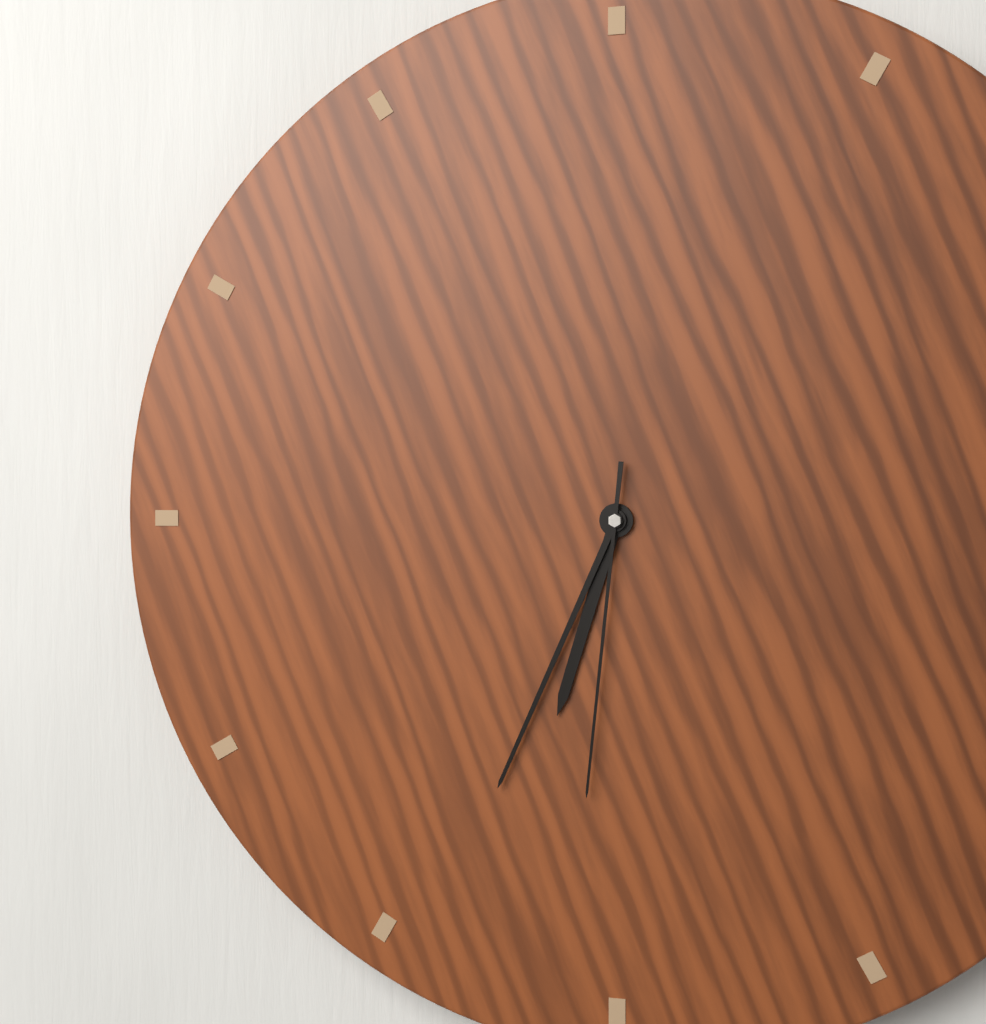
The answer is 6,34,31
